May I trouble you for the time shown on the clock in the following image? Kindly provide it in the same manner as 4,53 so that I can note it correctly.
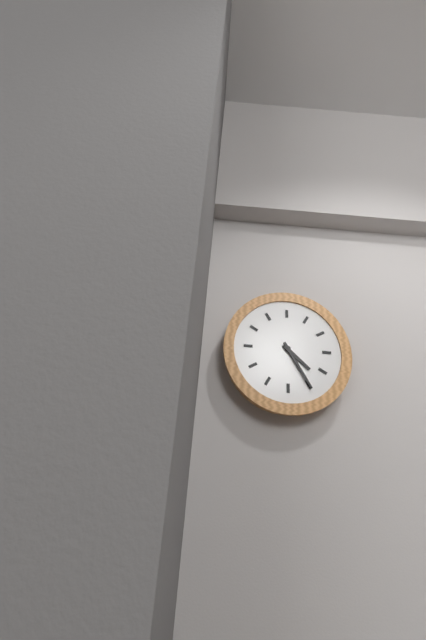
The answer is 4,25
